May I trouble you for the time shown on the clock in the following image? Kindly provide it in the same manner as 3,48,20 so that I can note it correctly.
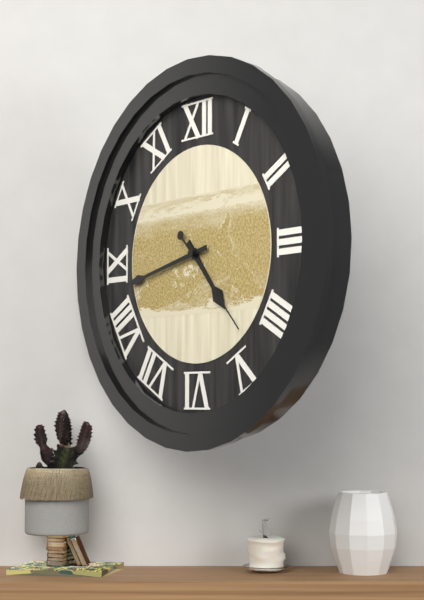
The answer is 4,43,23
